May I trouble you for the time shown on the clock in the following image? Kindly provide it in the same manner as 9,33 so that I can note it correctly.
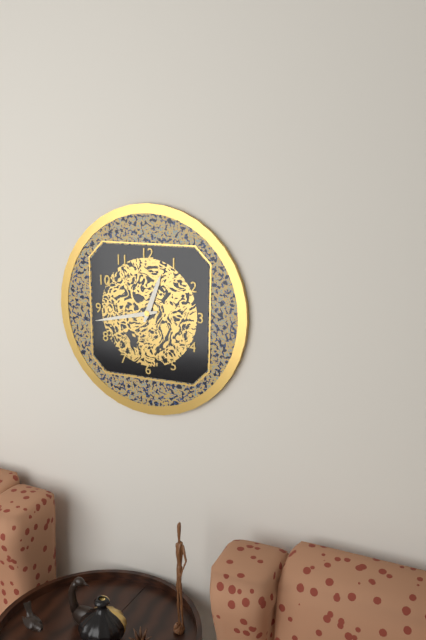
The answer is 12,43
